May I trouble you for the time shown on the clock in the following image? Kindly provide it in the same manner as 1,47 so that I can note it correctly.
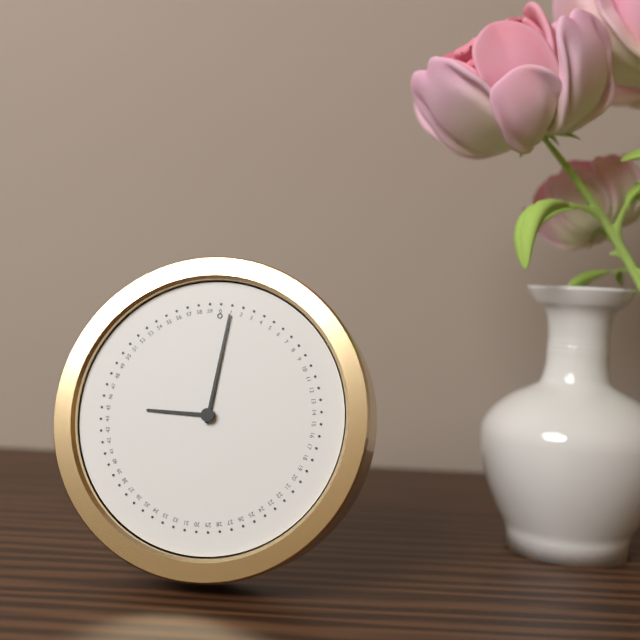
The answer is 9,01
